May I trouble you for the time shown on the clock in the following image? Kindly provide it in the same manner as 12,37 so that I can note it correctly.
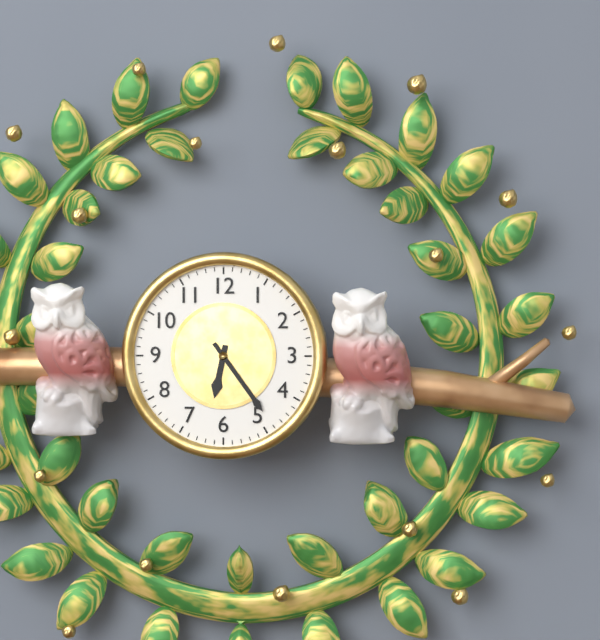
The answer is 6,24
